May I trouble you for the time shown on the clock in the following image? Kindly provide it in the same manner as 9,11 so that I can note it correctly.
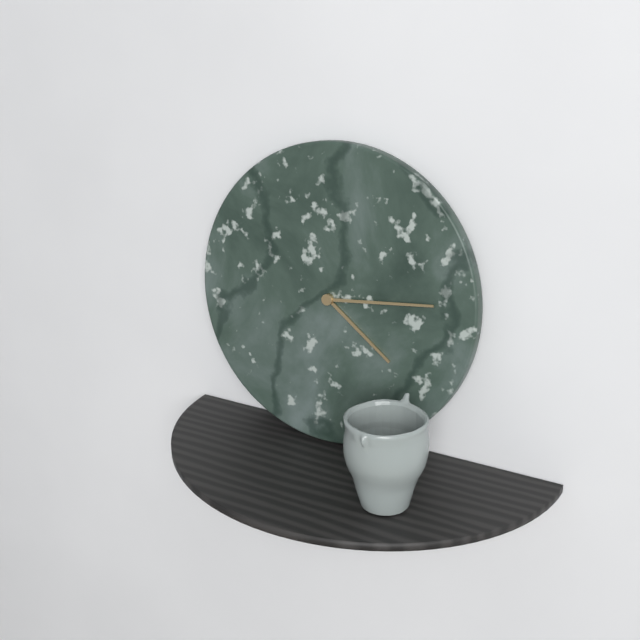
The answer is 4,14
